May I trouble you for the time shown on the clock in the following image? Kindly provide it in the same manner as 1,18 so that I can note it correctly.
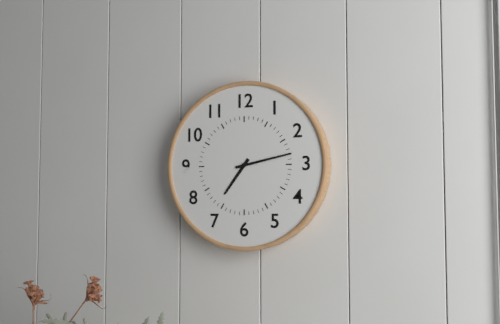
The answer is 7,13
